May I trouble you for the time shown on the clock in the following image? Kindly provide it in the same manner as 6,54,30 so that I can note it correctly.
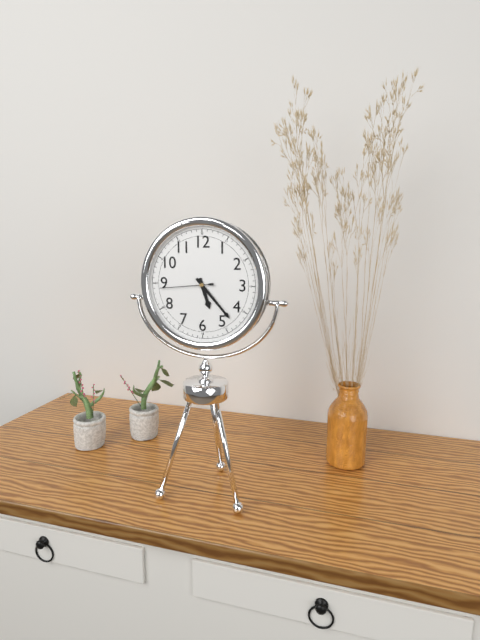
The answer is 5,23,44
